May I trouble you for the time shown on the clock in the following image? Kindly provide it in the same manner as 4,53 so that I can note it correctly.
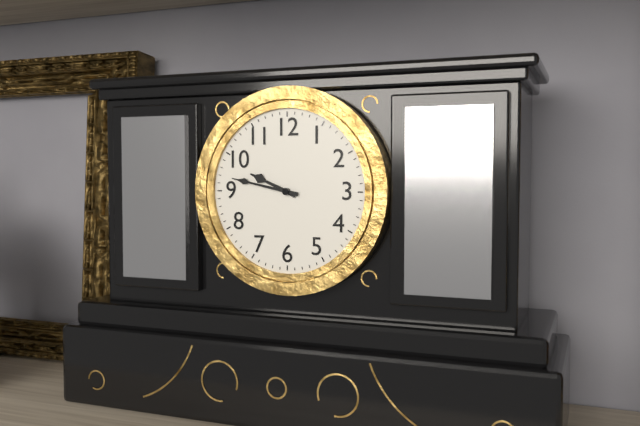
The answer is 9,47
